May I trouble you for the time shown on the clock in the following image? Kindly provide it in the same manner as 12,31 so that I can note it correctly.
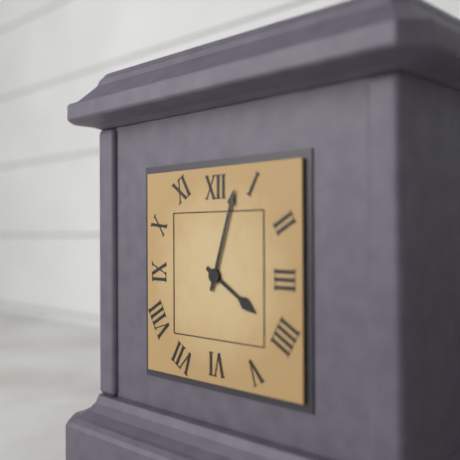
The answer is 4,03
